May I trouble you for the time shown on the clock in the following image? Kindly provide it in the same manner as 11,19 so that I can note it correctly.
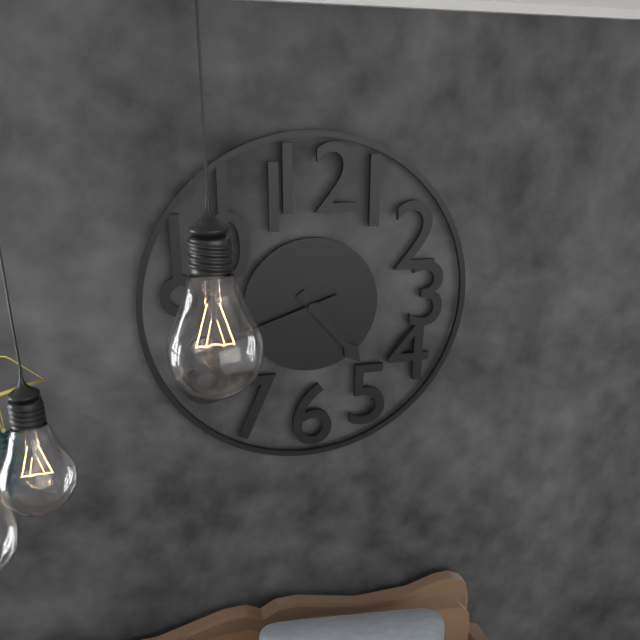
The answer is 4,42
